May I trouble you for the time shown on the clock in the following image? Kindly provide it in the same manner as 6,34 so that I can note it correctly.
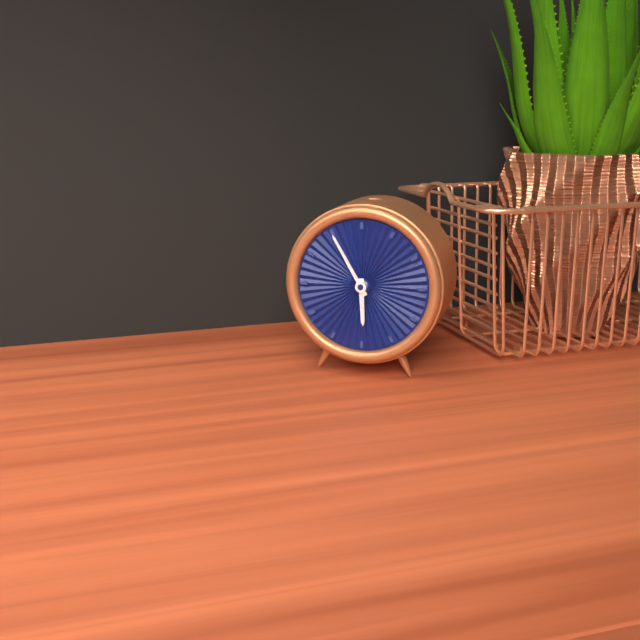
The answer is 5,55
